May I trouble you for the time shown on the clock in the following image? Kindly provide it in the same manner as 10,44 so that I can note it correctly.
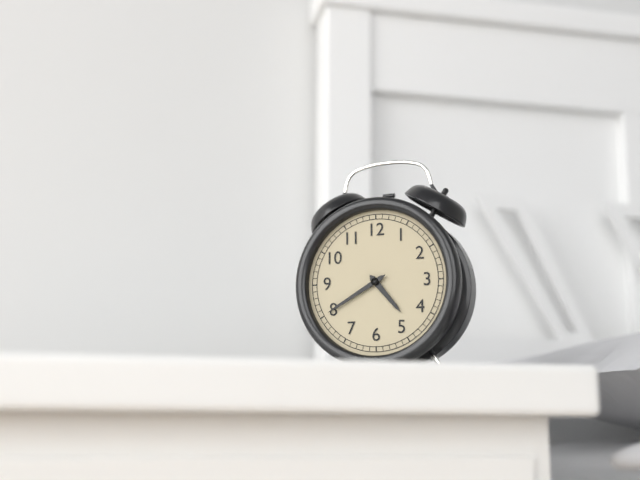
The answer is 4,40
